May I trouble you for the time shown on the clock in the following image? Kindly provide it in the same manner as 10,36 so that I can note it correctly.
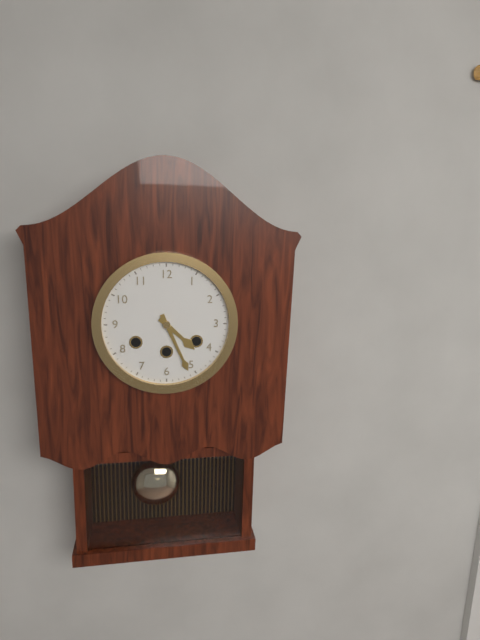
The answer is 4,26
